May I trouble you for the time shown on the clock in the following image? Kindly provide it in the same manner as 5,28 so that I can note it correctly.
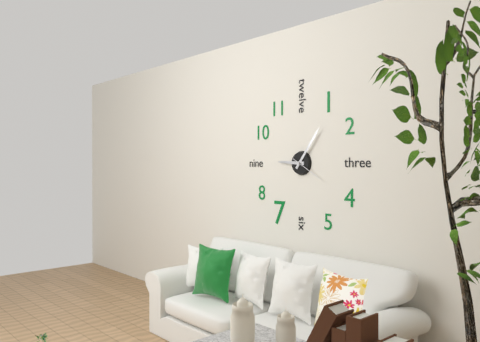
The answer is 9,06
